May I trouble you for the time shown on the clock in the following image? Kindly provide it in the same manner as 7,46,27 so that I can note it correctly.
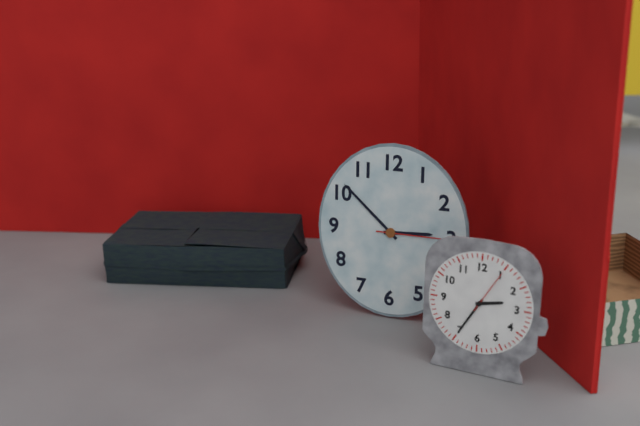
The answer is 2,52,15
